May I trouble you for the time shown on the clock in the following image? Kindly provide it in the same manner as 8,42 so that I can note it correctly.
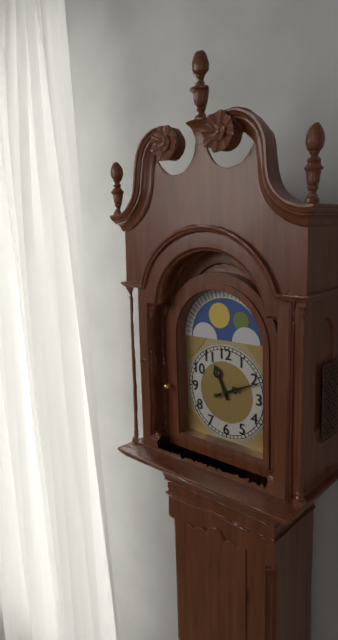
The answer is 11,11
